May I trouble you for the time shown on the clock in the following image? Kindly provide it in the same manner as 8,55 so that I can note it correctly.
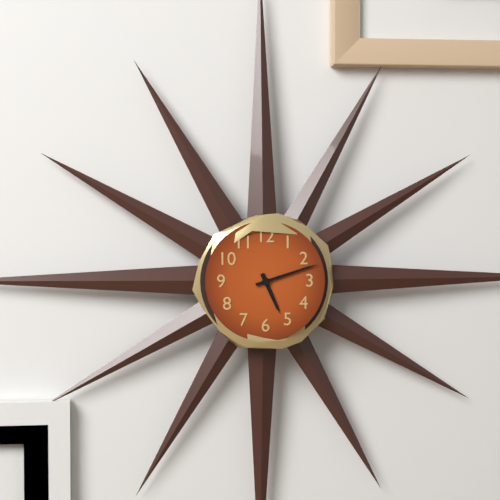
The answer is 5,12
